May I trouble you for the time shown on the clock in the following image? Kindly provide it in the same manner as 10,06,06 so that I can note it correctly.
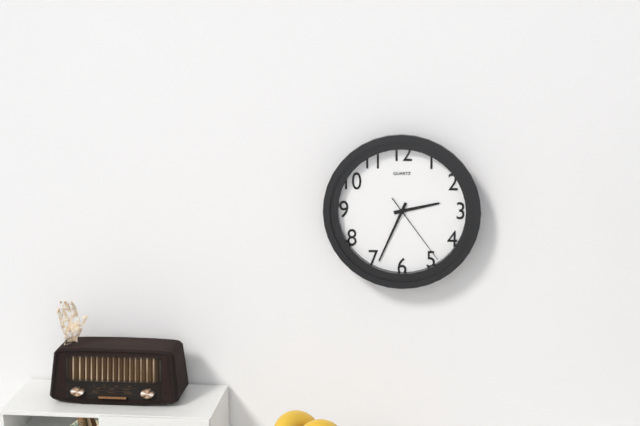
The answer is 2,34,24
